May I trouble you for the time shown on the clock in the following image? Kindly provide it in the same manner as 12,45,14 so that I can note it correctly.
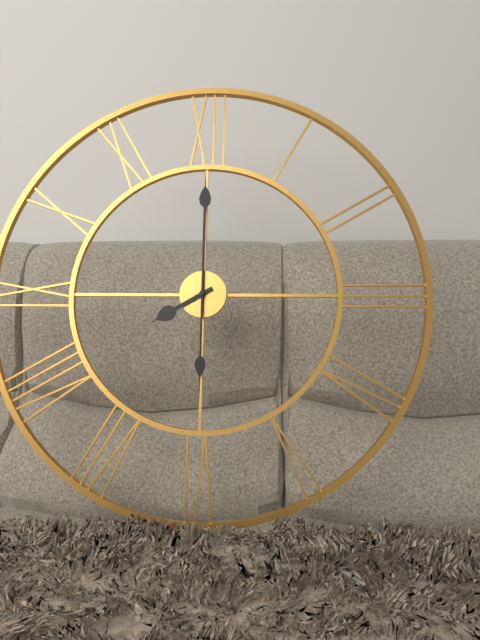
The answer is 8,00,30
